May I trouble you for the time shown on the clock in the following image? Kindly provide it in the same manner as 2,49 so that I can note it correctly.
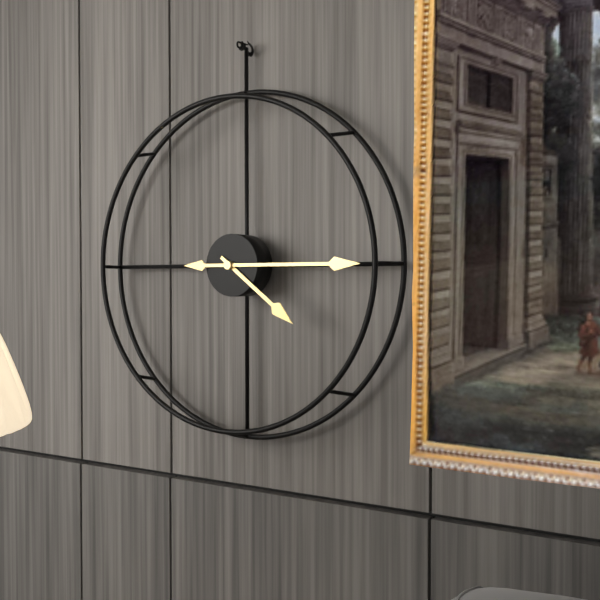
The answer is 4,15
